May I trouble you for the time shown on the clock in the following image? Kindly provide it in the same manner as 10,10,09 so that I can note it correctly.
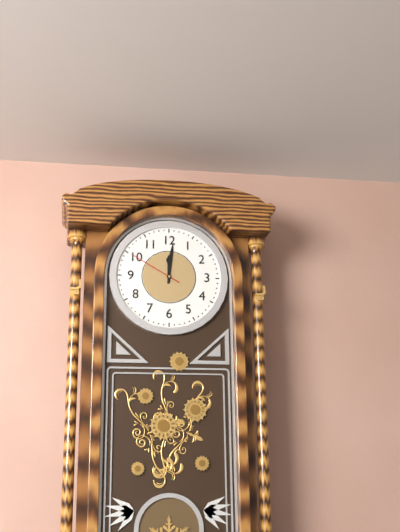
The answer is 12,01,50
